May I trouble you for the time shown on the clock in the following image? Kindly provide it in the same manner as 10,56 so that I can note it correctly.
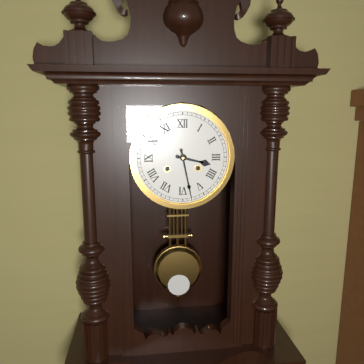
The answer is 3,28
